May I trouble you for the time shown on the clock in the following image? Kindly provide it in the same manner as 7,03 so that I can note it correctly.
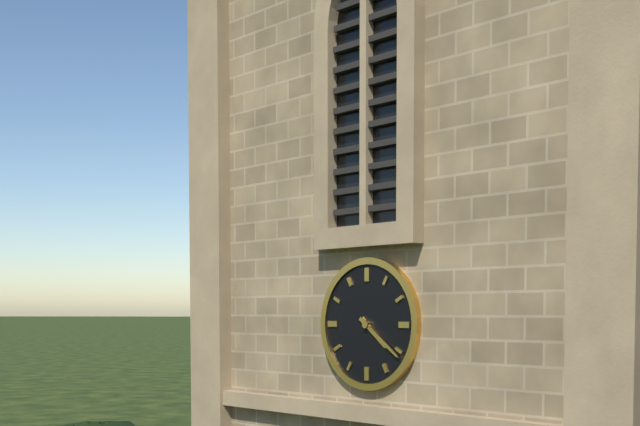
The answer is 4,21
